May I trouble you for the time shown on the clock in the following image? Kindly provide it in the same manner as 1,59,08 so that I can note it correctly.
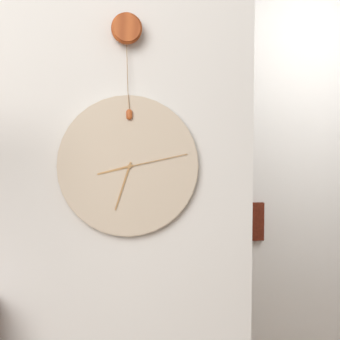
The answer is 8,33,13
